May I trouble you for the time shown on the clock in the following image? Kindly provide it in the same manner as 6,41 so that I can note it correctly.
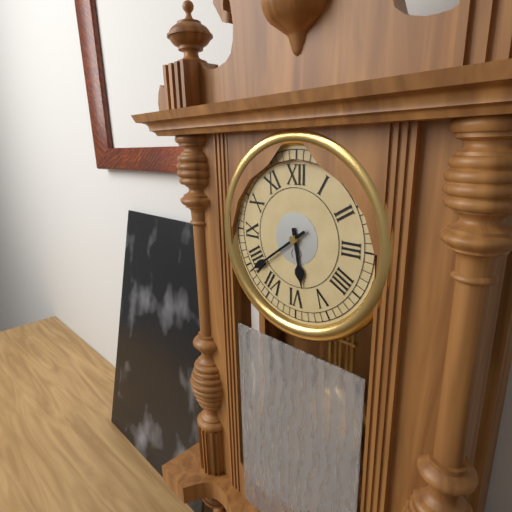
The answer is 5,39
